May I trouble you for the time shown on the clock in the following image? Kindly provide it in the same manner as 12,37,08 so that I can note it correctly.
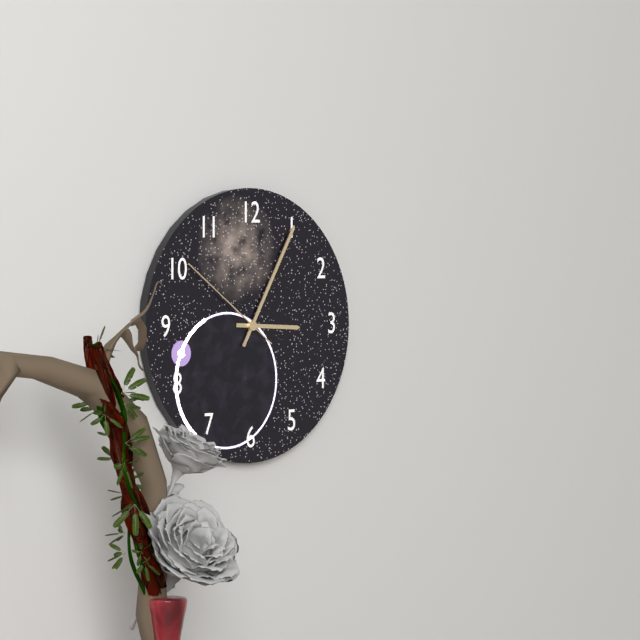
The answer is 3,05,51
